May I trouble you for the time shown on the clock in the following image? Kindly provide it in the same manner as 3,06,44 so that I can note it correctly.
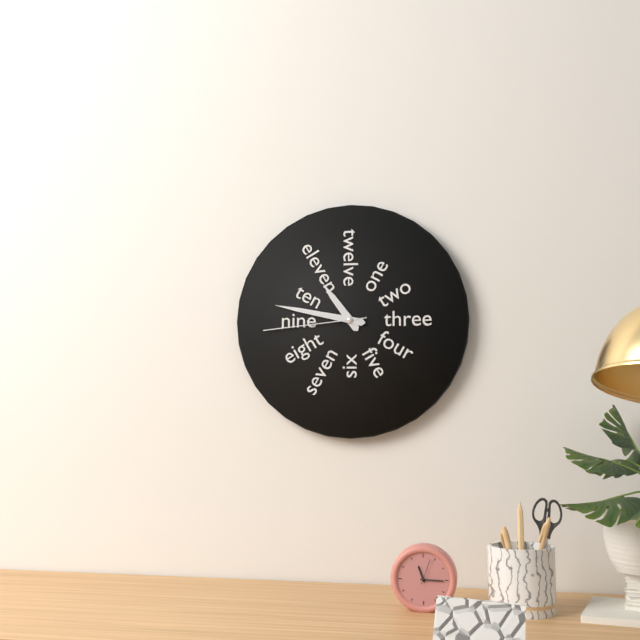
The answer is 10,47,44
